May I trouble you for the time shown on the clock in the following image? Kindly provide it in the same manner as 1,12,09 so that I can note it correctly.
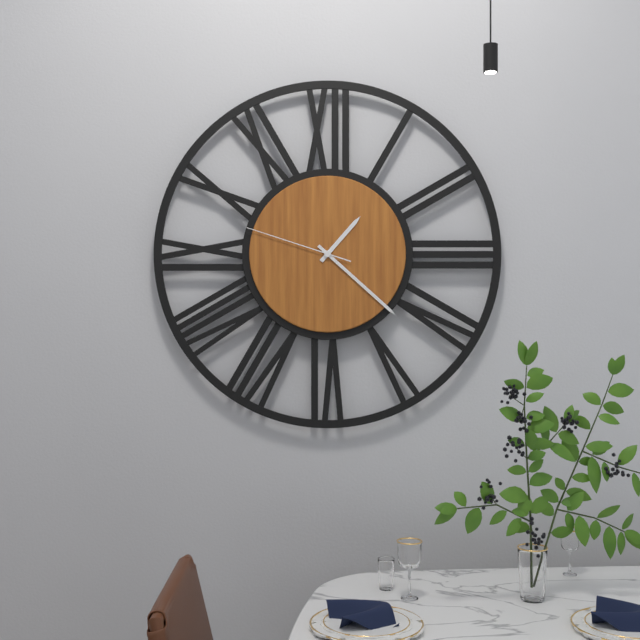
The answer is 1,22,48
